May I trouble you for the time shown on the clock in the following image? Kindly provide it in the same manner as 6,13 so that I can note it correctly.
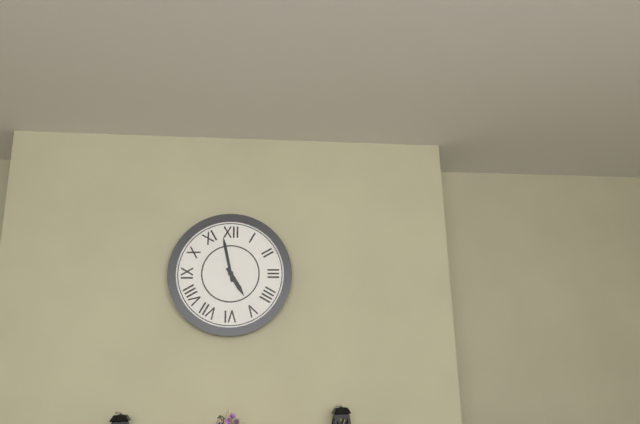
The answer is 4,58
